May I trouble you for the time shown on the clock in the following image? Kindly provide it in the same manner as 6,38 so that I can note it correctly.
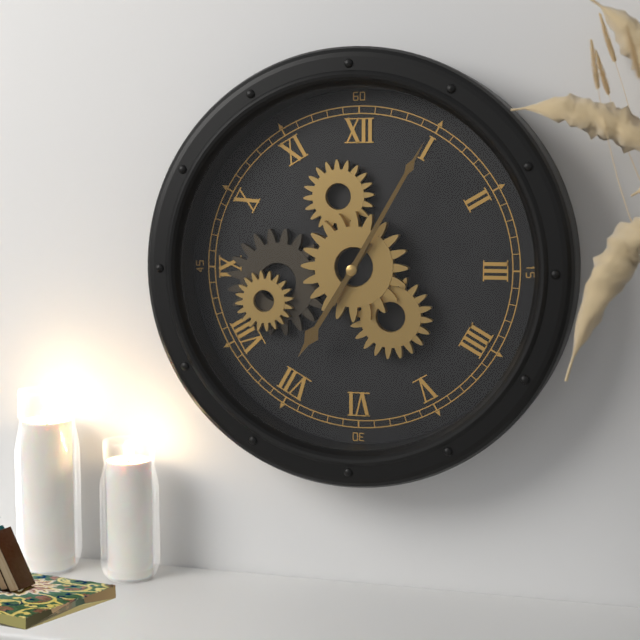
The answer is 7,05
